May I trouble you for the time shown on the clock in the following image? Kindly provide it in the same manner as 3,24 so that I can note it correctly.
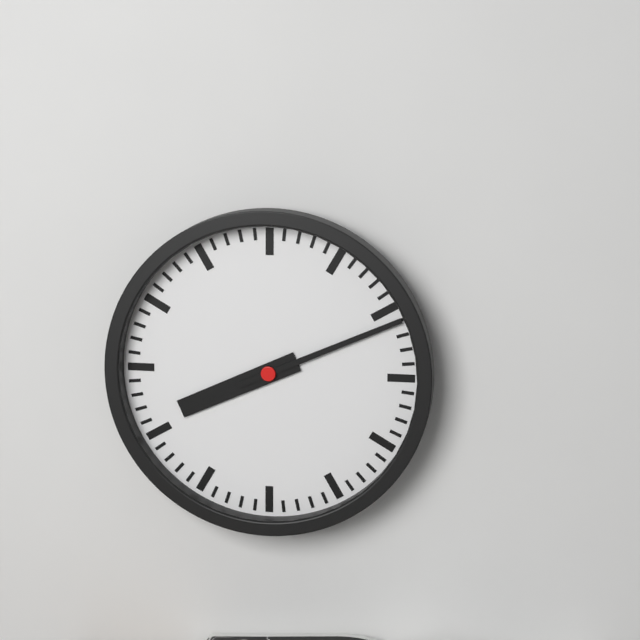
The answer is 8,11
